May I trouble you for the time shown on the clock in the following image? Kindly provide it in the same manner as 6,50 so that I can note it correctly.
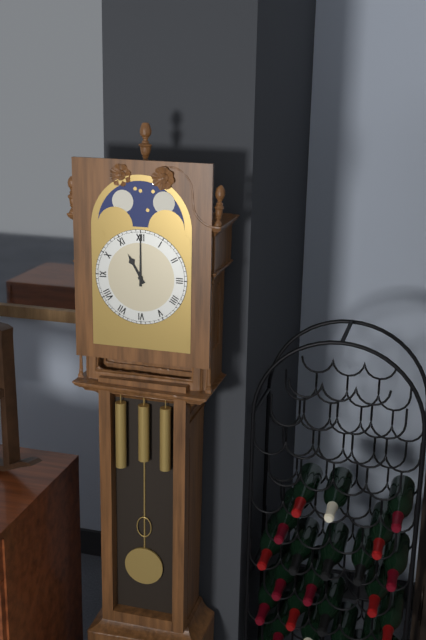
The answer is 11,00
